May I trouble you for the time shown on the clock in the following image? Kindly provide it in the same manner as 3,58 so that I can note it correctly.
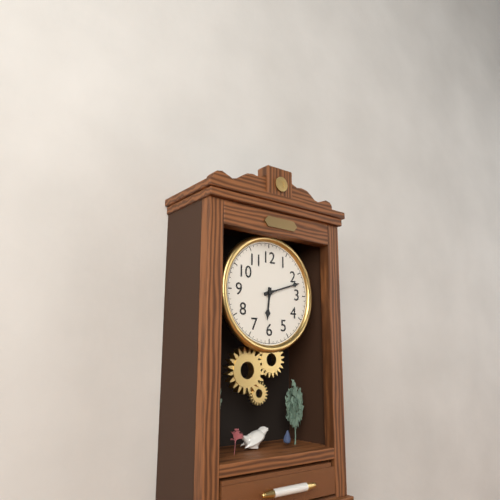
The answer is 6,12
